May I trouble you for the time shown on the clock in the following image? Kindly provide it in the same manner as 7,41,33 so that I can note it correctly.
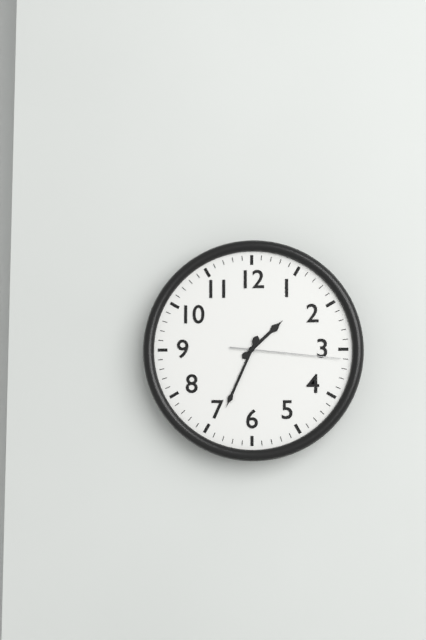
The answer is 1,34,16
